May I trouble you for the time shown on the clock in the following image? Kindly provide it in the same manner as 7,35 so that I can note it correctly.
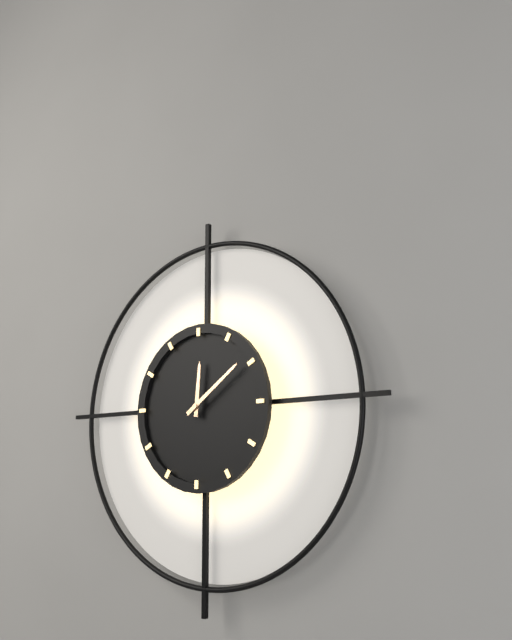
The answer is 12,09
